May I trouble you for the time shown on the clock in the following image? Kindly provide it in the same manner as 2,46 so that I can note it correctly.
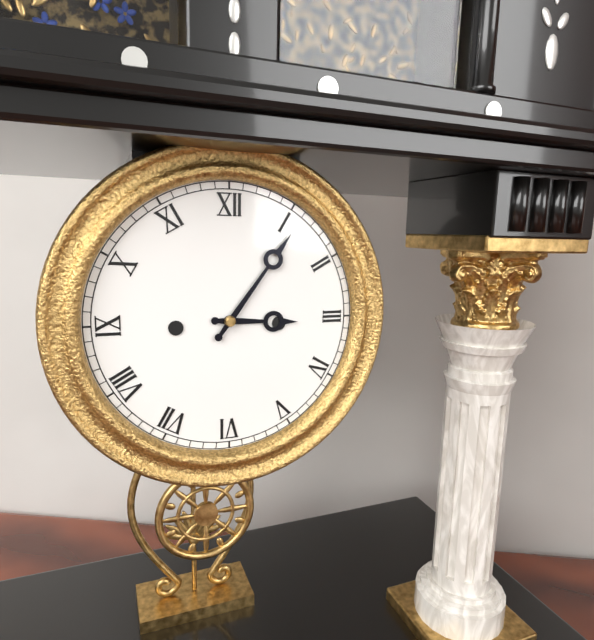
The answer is 3,06
